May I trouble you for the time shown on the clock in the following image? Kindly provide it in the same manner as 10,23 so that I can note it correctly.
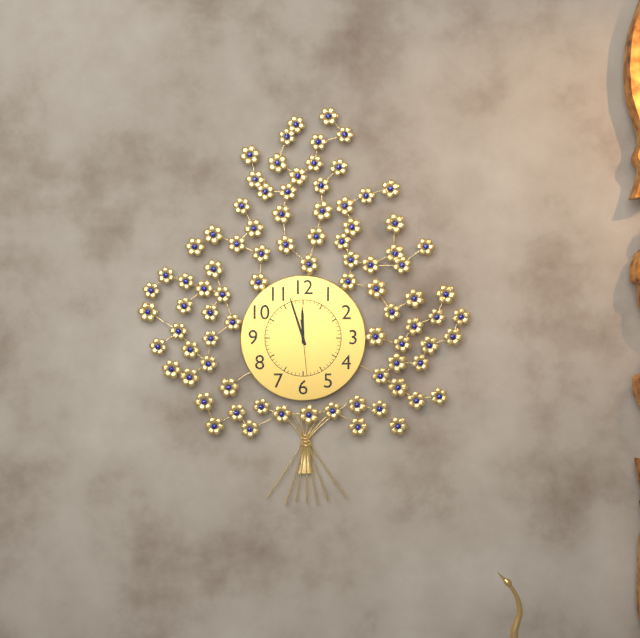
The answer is 11,57
